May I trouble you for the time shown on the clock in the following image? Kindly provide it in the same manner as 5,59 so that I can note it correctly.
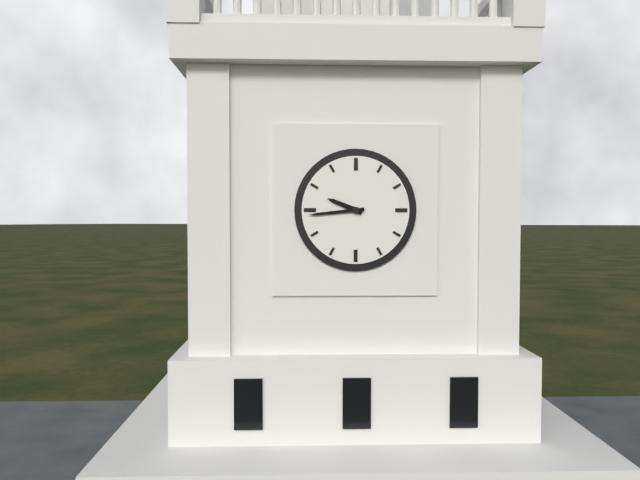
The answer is 9,44
